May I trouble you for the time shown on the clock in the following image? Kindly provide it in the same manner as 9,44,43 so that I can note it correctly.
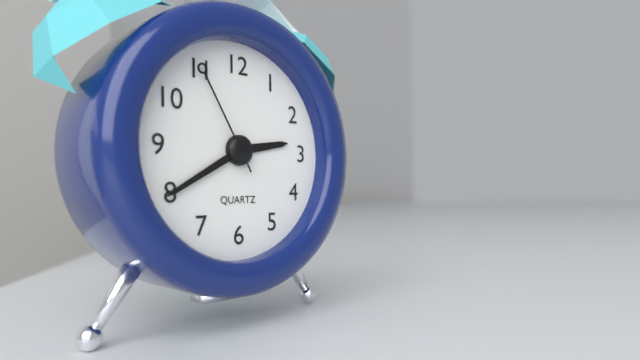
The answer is 2,40,55
